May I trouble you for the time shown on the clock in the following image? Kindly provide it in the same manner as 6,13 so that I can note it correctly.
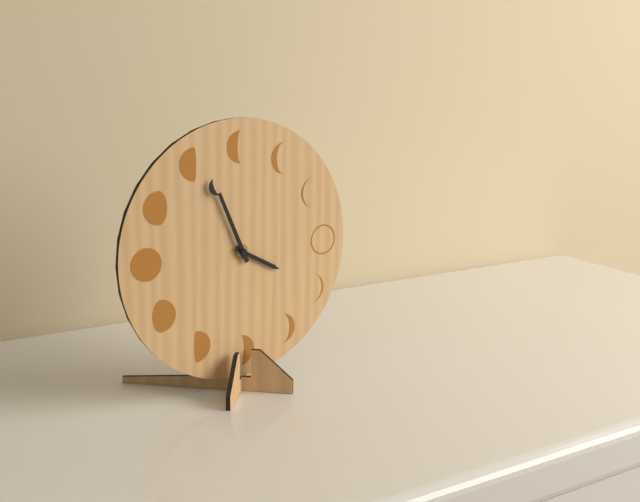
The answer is 3,56
